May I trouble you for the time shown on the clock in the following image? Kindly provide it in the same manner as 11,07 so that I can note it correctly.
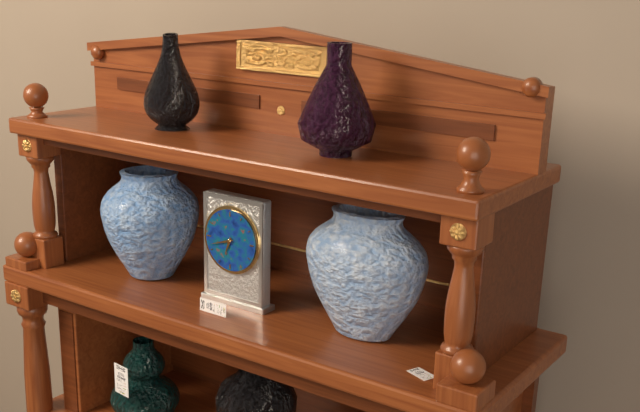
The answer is 6,42
